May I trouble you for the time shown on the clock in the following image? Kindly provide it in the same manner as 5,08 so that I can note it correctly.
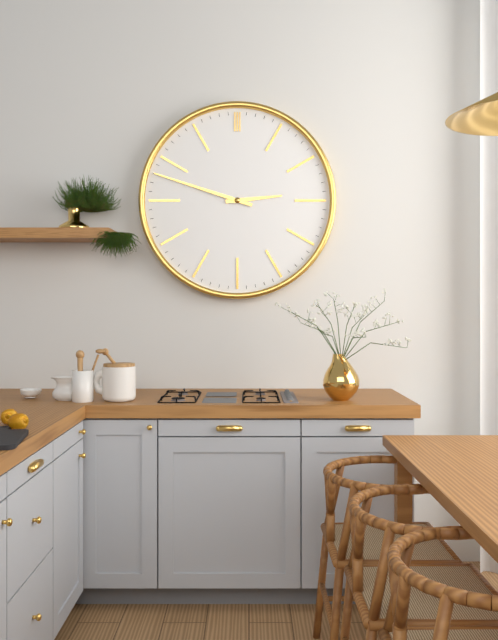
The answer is 2,48
